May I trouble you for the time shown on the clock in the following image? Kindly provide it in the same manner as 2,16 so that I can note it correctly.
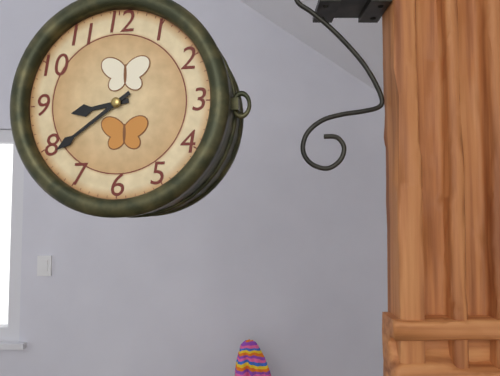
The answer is 8,39
